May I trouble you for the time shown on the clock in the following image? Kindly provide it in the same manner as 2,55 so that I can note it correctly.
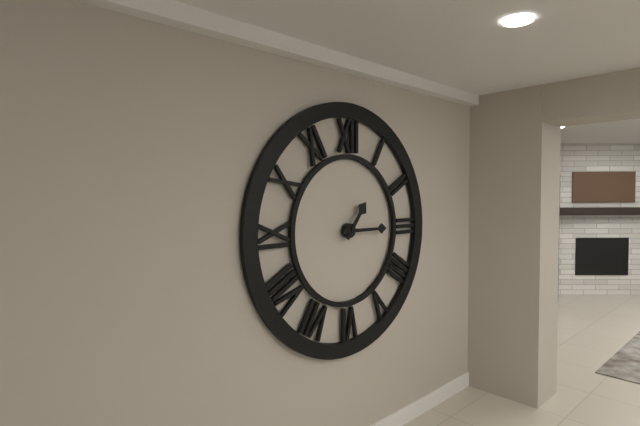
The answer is 1,15
